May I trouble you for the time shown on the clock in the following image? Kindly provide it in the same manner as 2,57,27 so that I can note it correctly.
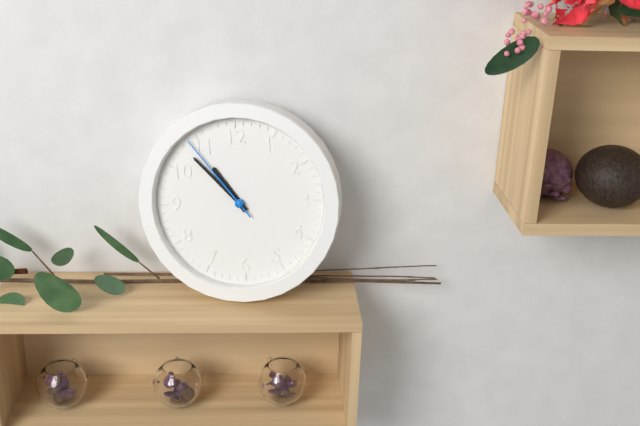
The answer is 10,53,54
